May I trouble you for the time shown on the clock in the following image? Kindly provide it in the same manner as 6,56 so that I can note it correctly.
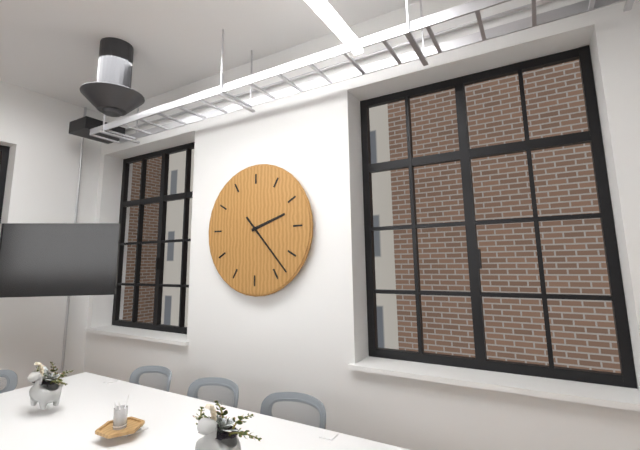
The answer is 2,23
